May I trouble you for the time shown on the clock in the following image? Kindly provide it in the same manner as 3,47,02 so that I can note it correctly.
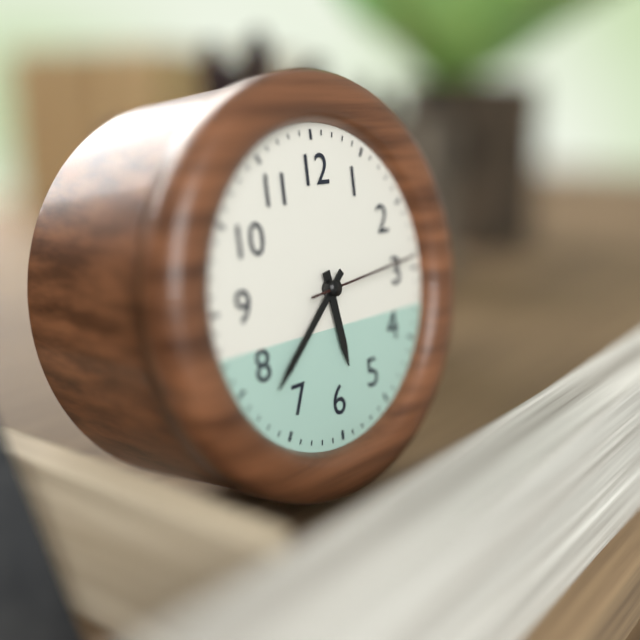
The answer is 5,38,14
